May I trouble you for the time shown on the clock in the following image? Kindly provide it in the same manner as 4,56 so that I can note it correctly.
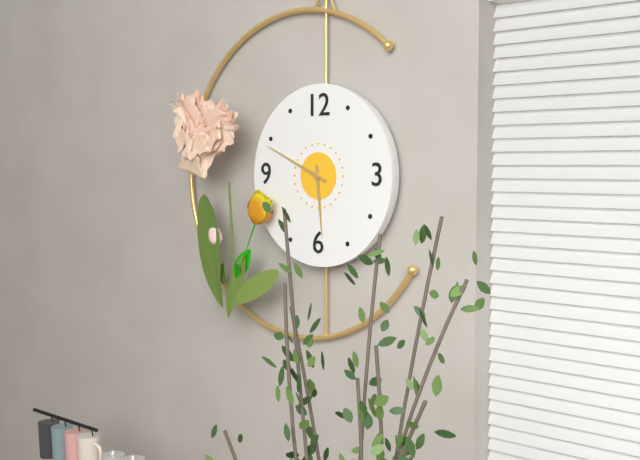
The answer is 5,49
